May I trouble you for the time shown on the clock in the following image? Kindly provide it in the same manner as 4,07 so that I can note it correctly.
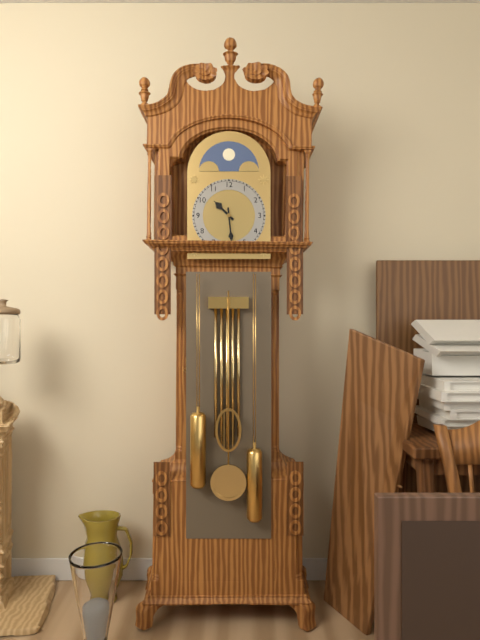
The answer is 10,29
